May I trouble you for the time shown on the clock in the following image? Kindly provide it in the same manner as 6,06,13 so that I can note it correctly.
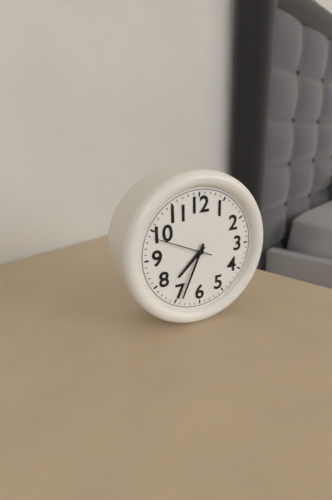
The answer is 7,34,49
